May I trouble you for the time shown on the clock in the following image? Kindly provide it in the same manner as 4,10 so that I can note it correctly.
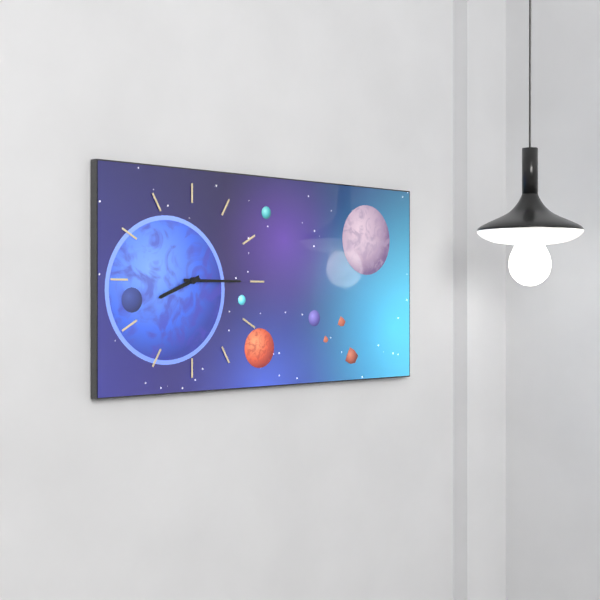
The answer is 8,15
